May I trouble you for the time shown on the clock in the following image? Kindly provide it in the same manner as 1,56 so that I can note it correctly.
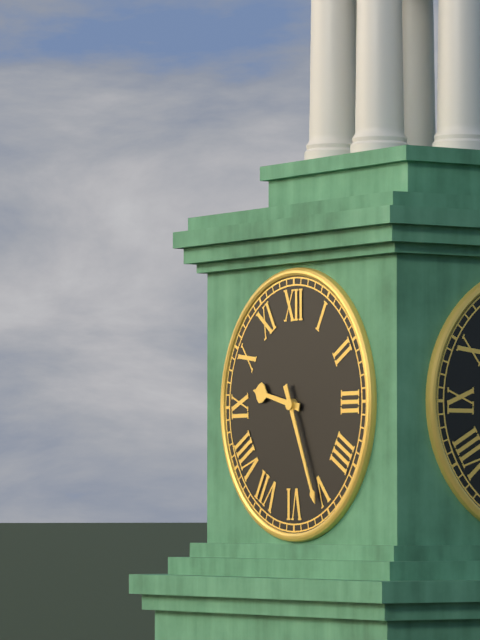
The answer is 9,26
